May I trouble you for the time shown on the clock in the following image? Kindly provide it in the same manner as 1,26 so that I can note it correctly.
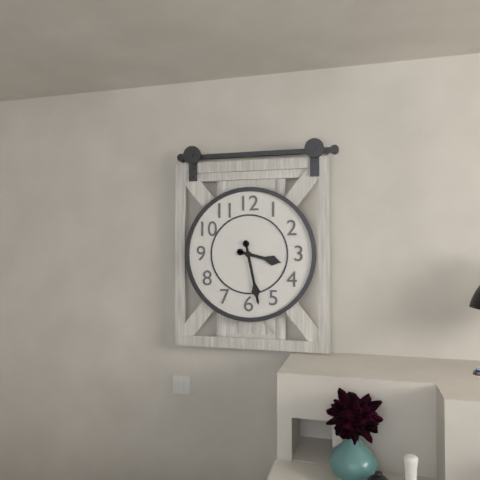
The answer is 3,28
